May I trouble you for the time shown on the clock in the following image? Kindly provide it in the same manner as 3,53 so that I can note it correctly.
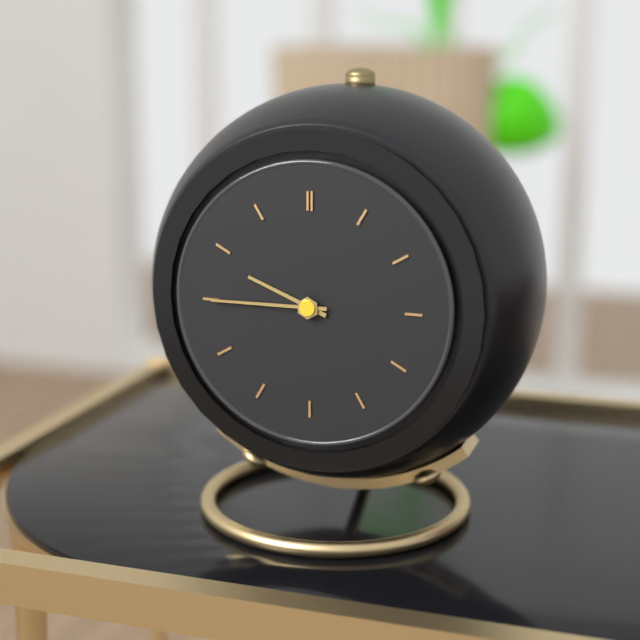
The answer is 9,45
